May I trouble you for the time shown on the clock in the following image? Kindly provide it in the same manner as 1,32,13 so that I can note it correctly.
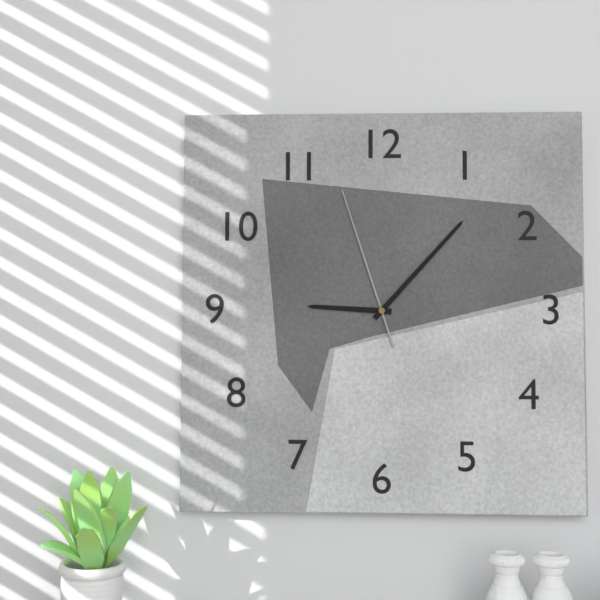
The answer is 9,07,57
